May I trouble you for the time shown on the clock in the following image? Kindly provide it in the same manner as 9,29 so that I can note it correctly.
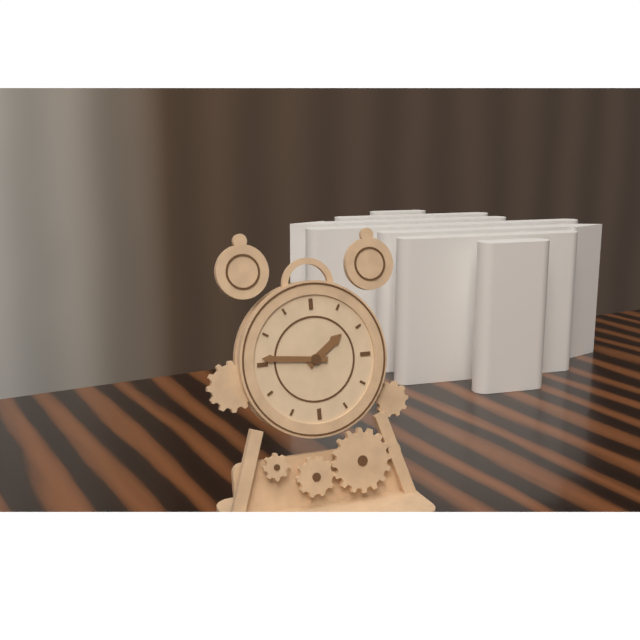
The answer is 1,46
